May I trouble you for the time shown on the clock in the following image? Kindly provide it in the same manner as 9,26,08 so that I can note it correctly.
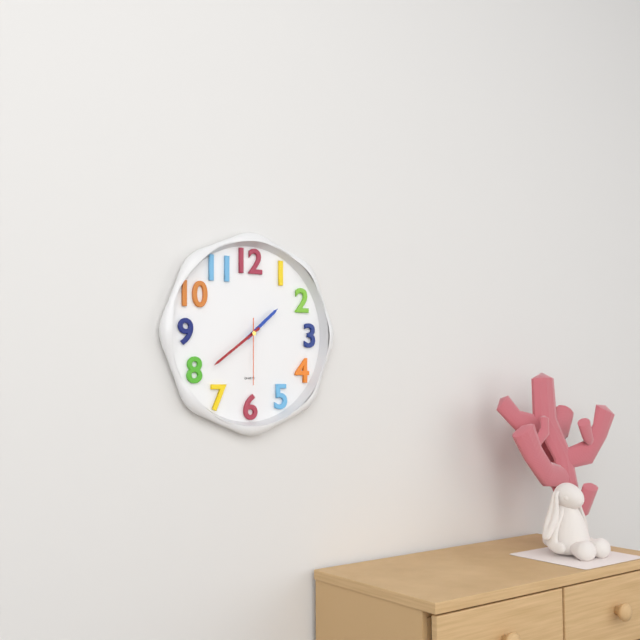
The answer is 1,39,30
